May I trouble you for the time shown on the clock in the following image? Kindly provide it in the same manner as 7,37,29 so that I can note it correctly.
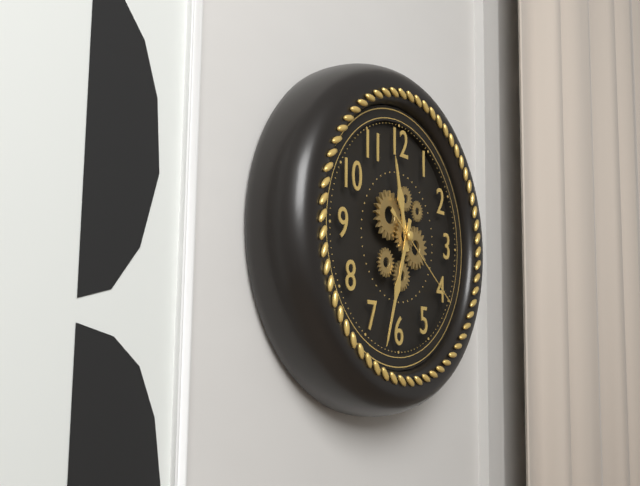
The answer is 11,33,21
